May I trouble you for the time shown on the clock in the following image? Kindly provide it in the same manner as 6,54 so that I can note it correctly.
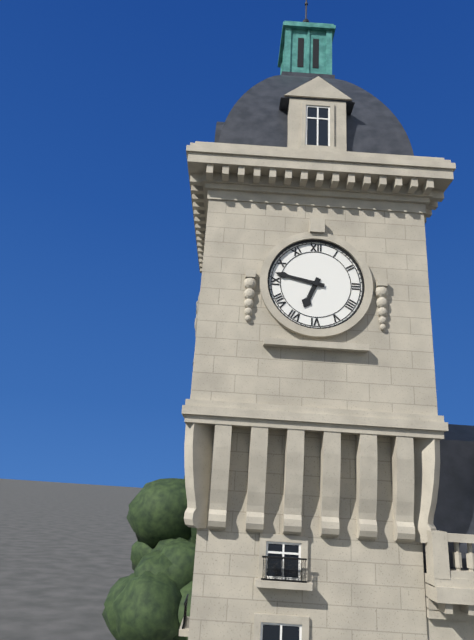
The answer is 6,47
